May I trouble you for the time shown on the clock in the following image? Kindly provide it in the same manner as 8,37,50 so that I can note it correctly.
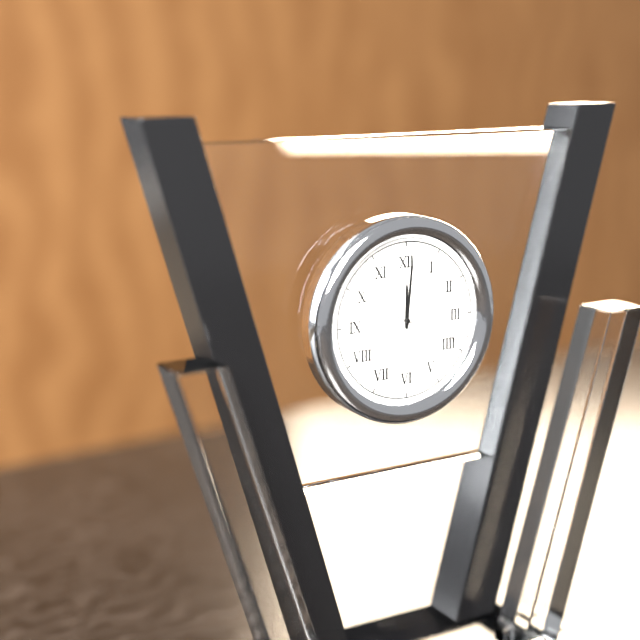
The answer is 12,01,19
